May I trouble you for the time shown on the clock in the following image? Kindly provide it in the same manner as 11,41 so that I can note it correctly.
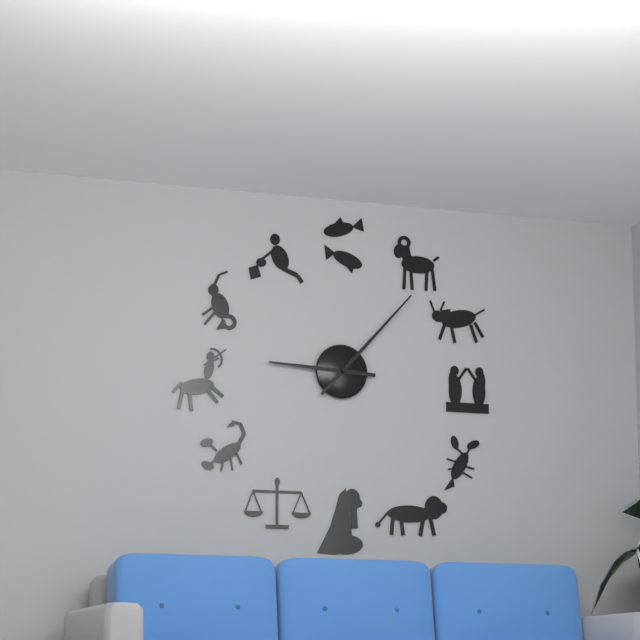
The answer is 9,07
